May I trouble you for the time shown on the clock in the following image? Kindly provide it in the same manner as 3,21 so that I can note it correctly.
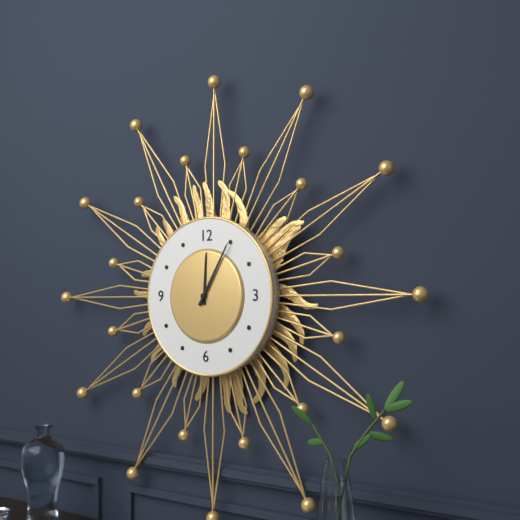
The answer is 12,05
